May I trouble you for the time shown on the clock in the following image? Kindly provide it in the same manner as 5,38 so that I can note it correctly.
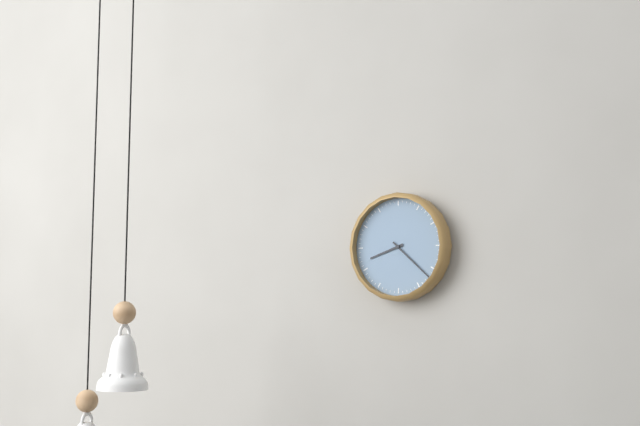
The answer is 8,22
